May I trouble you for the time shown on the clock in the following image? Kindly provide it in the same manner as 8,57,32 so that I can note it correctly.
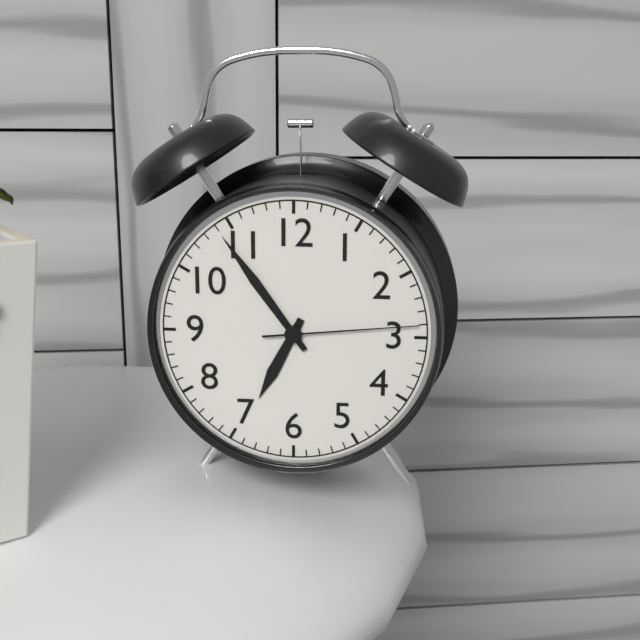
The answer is 6,54,14
